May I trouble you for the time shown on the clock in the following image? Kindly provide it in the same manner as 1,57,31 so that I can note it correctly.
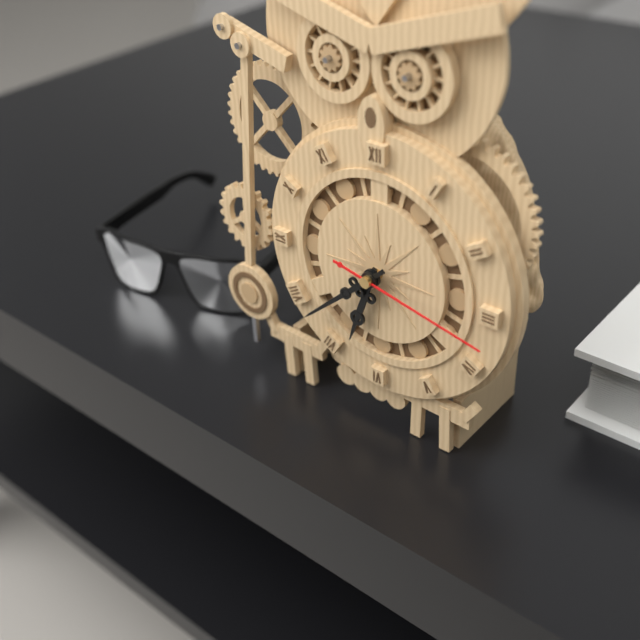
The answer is 6,38,17
